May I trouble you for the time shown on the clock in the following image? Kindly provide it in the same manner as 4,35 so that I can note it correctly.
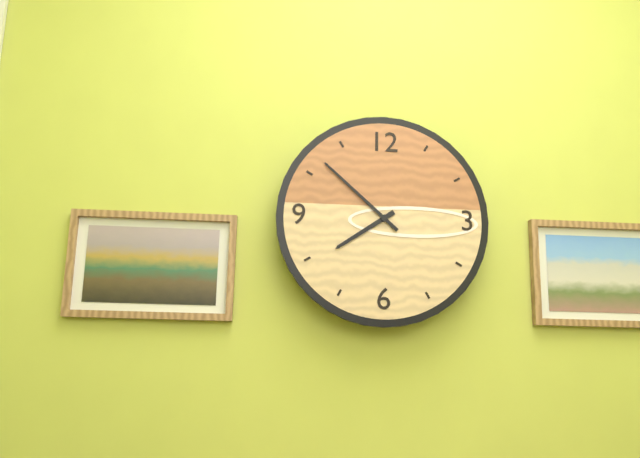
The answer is 7,52
